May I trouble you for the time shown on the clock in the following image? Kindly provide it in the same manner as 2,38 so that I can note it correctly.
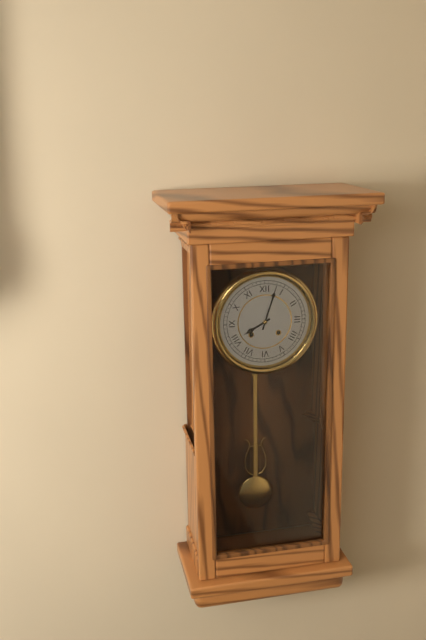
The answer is 8,03
